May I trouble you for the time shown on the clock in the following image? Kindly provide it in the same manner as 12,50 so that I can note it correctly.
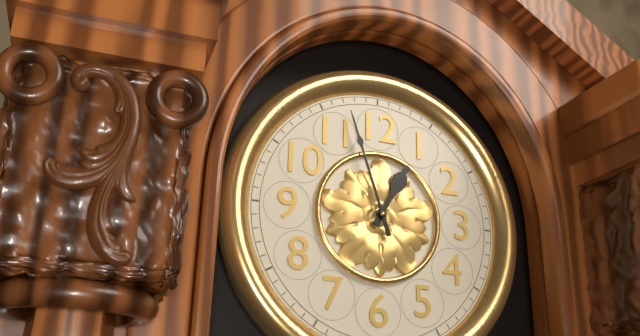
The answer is 12,57
